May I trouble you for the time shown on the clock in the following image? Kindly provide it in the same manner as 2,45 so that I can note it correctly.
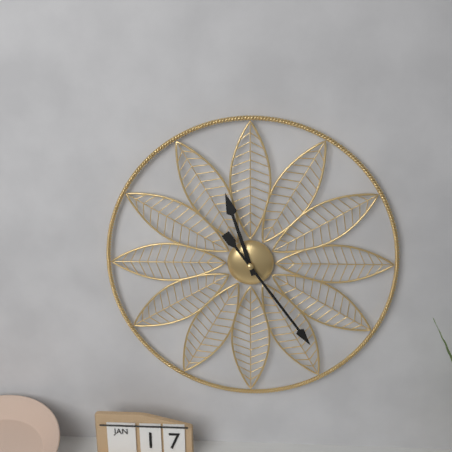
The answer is 11,24
